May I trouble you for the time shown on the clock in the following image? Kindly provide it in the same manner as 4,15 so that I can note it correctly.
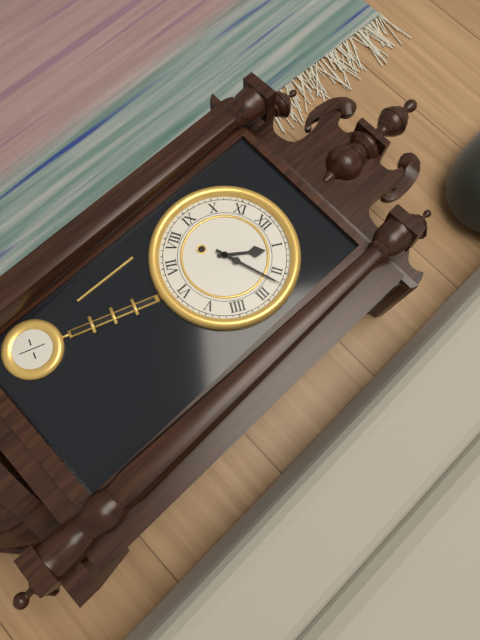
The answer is 1,12
